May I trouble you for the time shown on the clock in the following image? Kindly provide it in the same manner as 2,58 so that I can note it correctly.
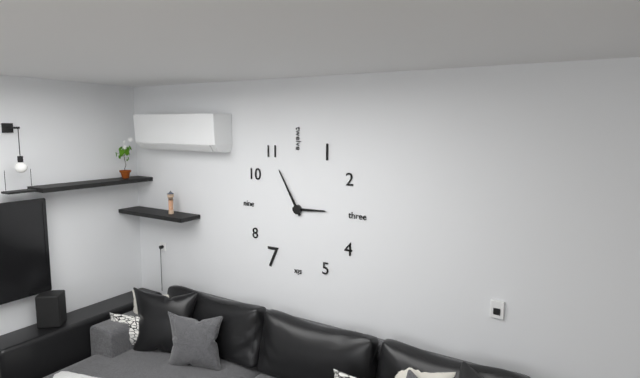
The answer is 2,55
